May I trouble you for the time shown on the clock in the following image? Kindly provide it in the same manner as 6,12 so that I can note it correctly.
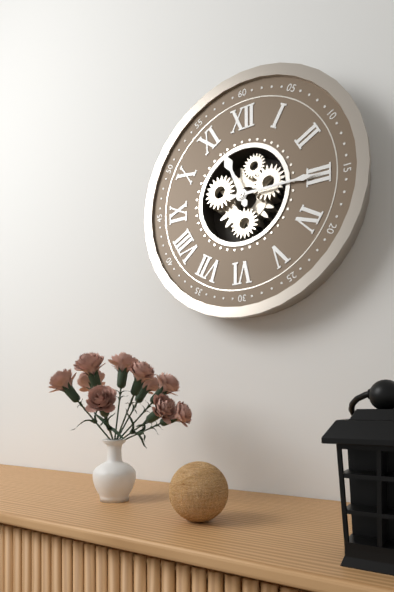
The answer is 11,15
